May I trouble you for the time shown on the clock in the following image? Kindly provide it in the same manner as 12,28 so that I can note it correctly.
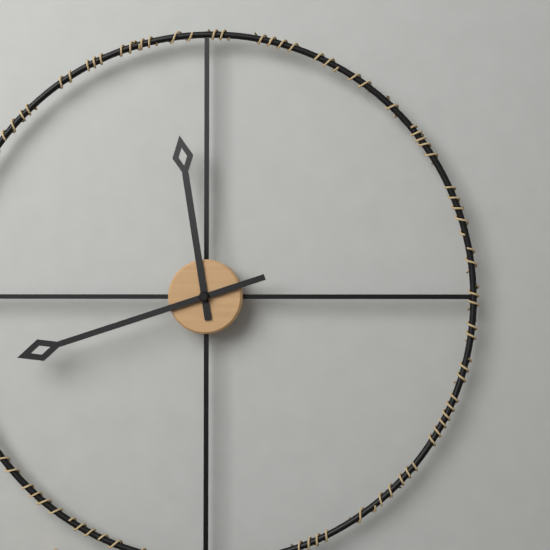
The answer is 11,42
